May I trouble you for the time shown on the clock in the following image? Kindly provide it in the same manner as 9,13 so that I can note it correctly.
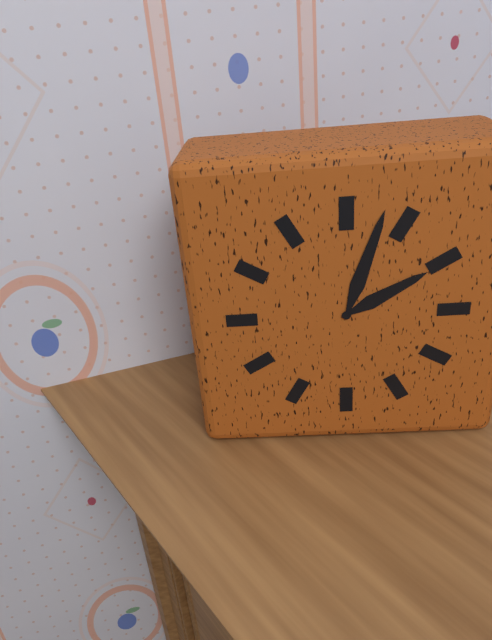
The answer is 2,03
